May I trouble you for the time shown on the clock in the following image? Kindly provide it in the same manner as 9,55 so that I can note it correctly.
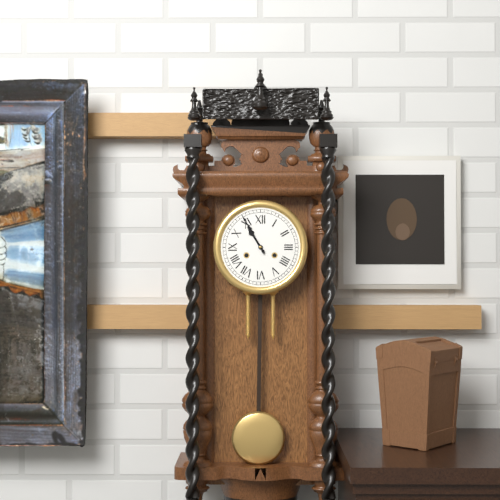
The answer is 10,55
